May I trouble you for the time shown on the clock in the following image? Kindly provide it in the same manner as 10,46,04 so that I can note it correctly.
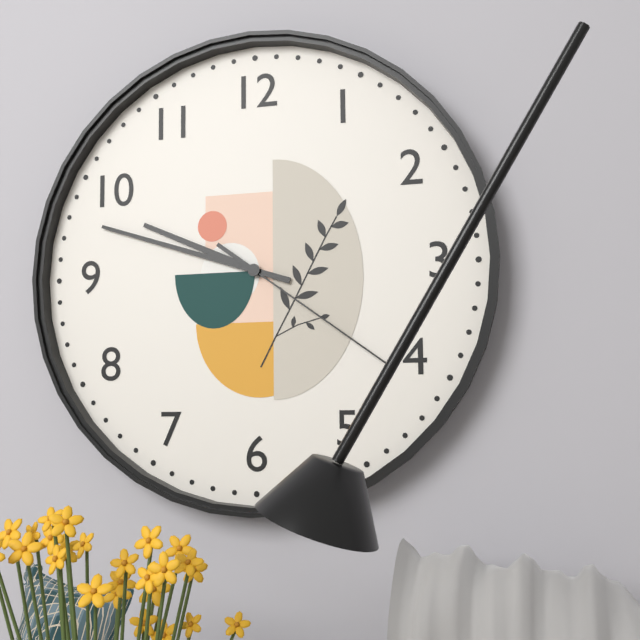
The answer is 9,48,21
